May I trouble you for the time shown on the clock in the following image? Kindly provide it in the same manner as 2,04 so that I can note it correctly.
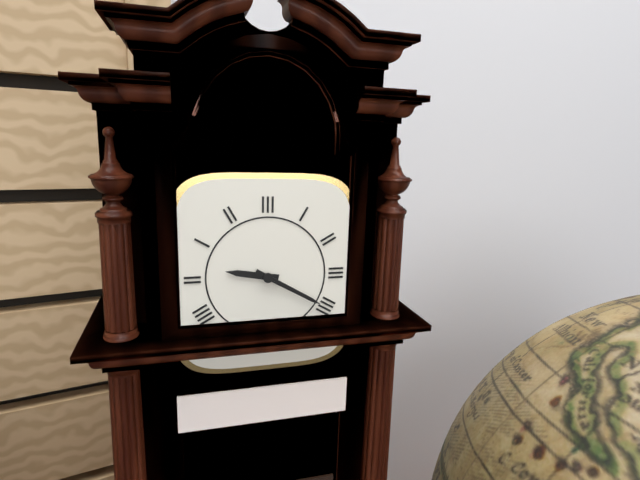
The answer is 9,20
